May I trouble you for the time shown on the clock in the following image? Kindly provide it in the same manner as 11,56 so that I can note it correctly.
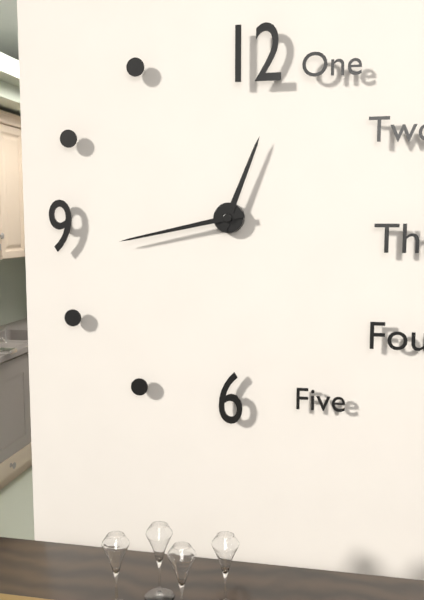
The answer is 12,43
